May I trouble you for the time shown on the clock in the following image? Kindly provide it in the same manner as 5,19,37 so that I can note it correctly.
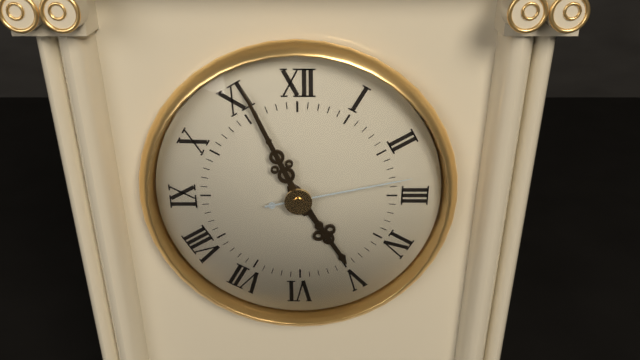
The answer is 4,56,13
